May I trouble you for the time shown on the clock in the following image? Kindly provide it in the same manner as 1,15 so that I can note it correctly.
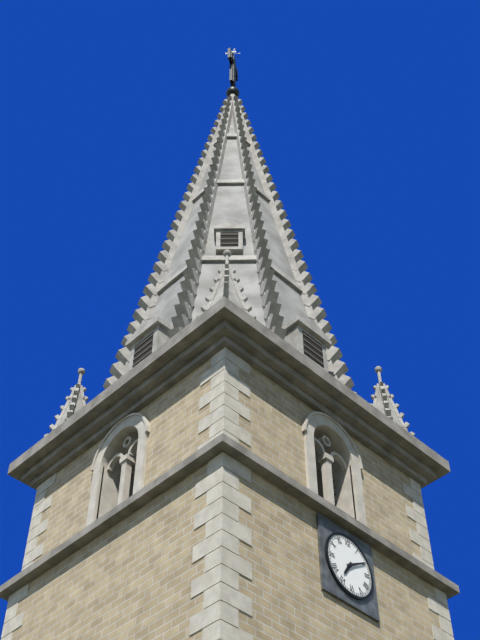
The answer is 7,10
